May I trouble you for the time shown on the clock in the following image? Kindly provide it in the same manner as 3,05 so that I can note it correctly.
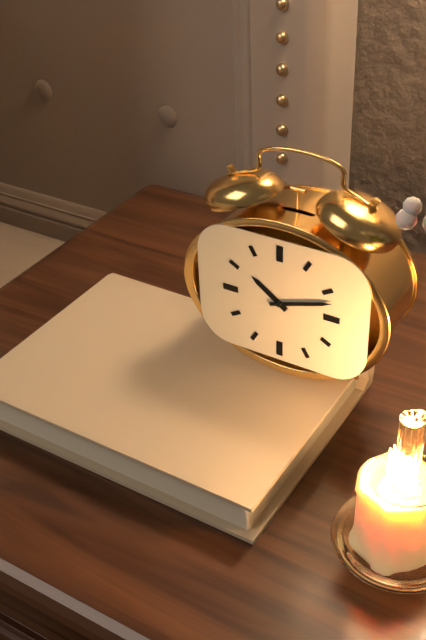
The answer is 10,12
